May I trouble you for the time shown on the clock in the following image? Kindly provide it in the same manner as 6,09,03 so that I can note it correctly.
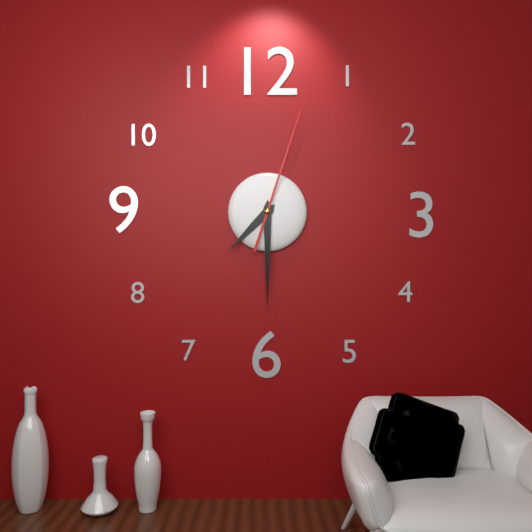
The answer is 7,30,03
